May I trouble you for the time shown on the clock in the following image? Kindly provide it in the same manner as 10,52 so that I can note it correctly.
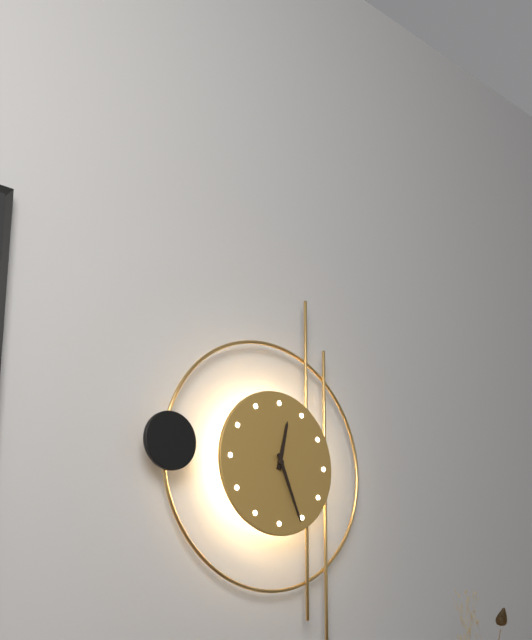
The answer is 12,26
